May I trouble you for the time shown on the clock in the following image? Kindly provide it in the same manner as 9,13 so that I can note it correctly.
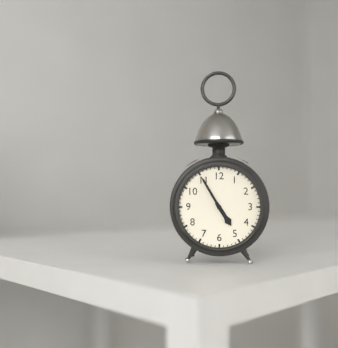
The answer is 4,55
